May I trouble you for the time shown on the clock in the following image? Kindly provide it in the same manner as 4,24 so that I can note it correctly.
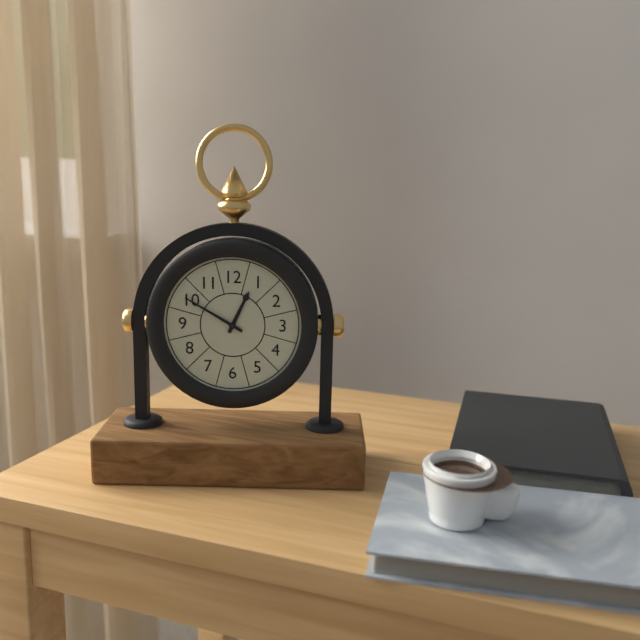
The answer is 12,50
